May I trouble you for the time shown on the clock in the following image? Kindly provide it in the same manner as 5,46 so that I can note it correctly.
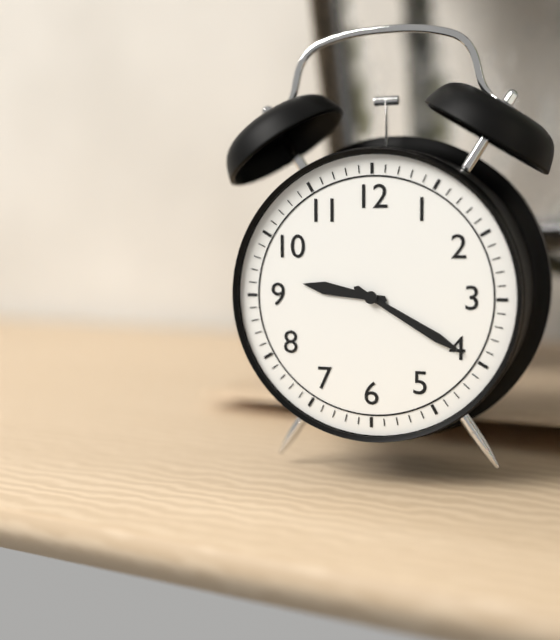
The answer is 9,20
